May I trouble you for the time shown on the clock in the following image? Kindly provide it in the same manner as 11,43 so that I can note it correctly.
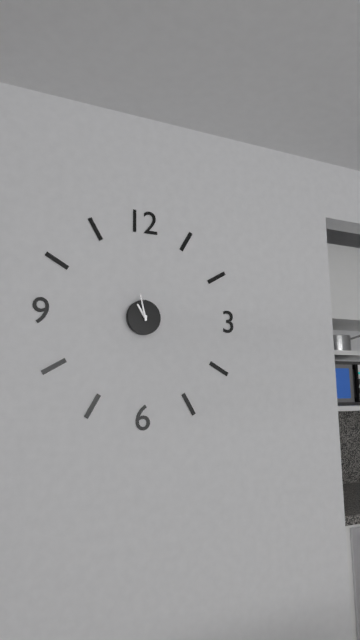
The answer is 10,58
